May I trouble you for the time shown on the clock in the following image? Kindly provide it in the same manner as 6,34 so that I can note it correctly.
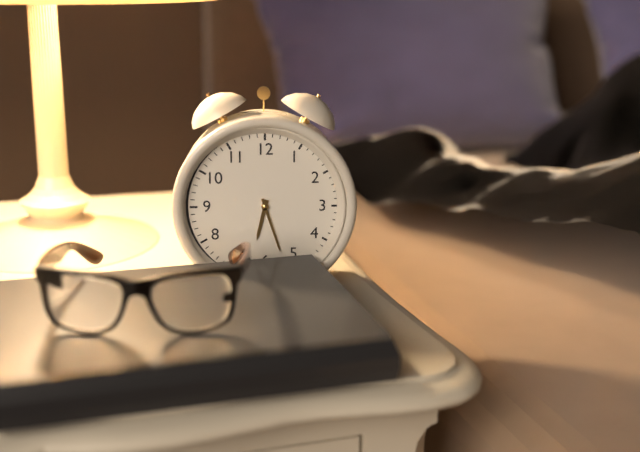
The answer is 6,27
